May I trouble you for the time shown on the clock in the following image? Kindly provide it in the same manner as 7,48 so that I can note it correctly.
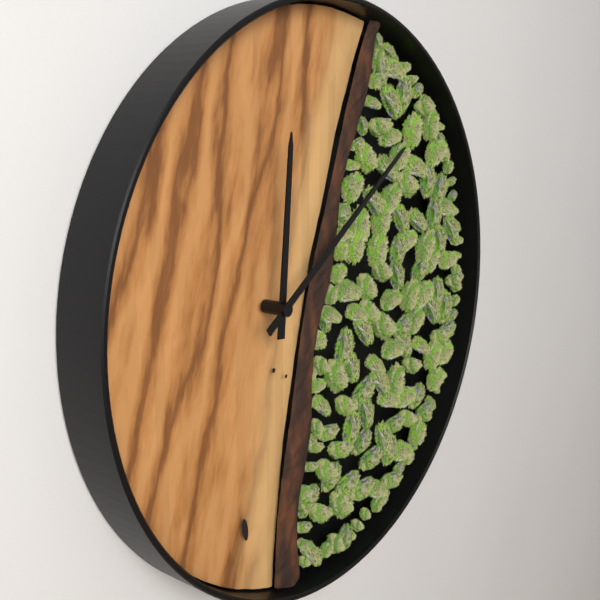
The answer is 12,09
